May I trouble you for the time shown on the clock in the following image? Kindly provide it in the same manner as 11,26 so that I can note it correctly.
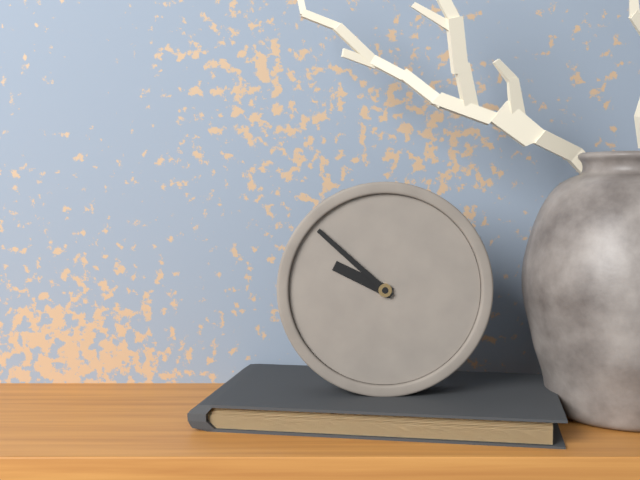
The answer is 9,52
